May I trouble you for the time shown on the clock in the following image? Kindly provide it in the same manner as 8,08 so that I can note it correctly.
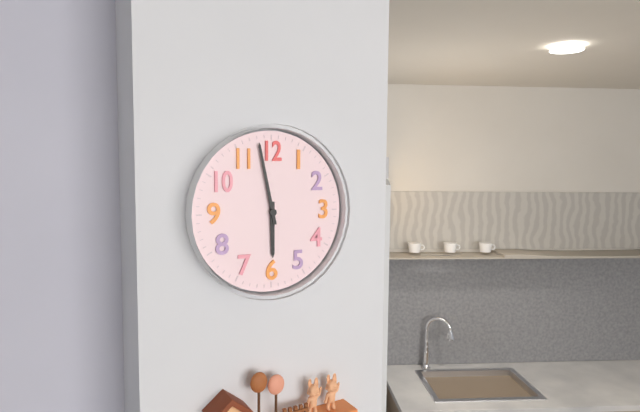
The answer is 5,58
